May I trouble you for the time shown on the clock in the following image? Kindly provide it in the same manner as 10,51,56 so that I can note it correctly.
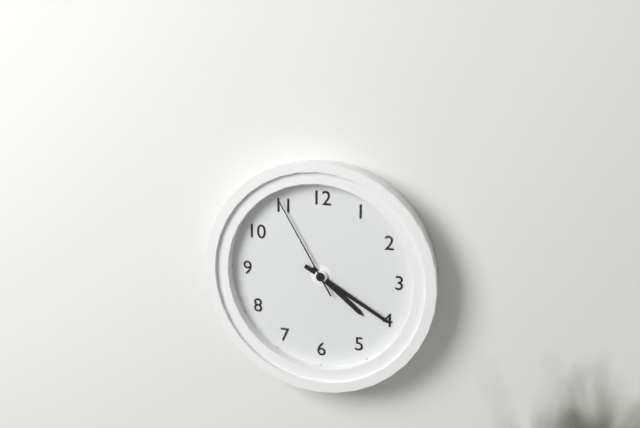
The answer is 4,20,55
